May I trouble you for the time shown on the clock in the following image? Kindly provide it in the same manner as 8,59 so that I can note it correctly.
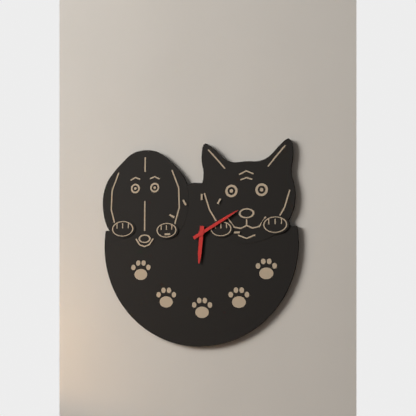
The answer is 6,10
